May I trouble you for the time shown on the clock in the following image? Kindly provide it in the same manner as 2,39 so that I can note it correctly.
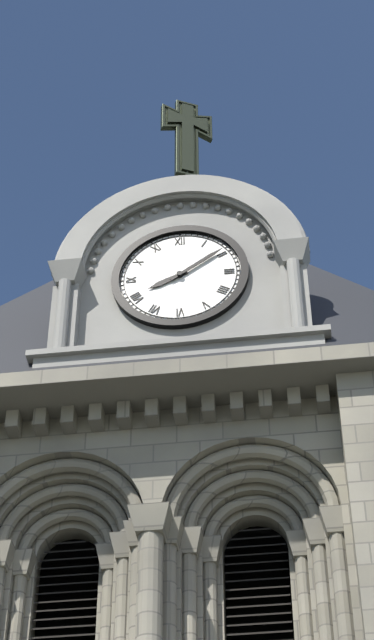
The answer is 8,09
